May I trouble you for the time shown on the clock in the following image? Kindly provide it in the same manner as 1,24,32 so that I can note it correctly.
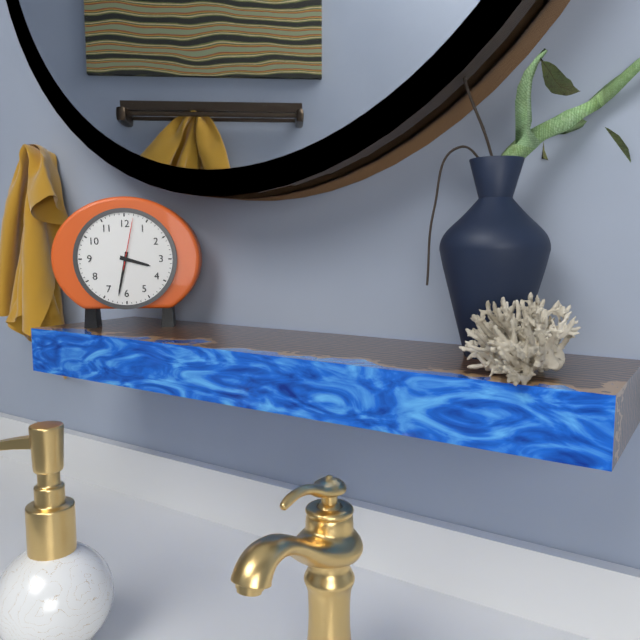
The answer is 3,32,02
